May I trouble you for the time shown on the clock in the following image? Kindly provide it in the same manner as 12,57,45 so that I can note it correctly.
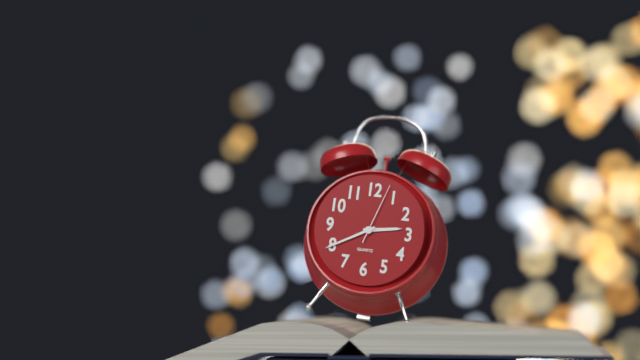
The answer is 2,40,03
